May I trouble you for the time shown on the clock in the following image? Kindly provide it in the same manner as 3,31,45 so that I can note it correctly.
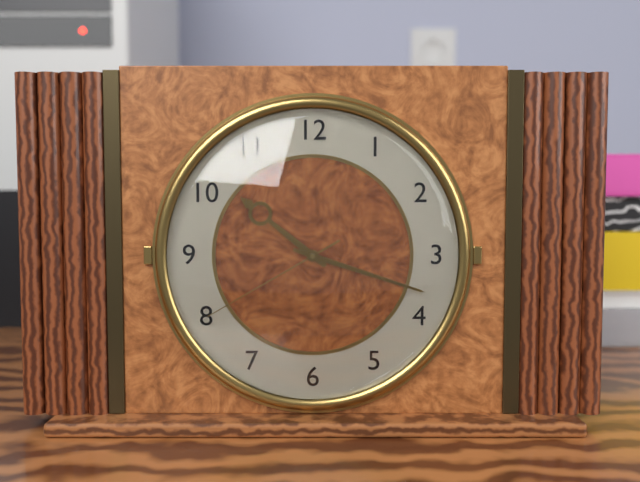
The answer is 10,18,40
